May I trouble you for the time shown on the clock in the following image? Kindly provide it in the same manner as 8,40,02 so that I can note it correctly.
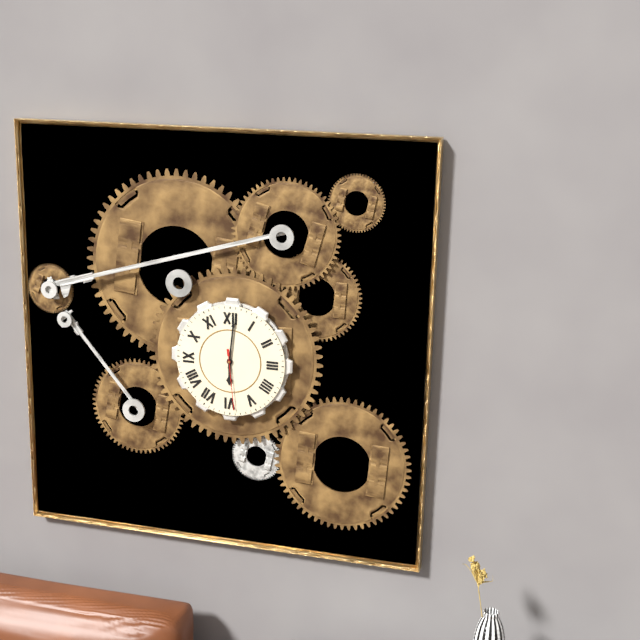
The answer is 6,01,29
